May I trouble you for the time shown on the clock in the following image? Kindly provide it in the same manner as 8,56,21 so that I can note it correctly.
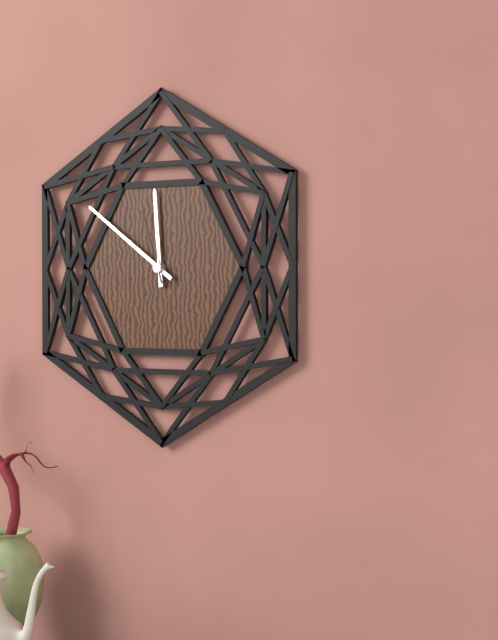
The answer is 11,51,57
